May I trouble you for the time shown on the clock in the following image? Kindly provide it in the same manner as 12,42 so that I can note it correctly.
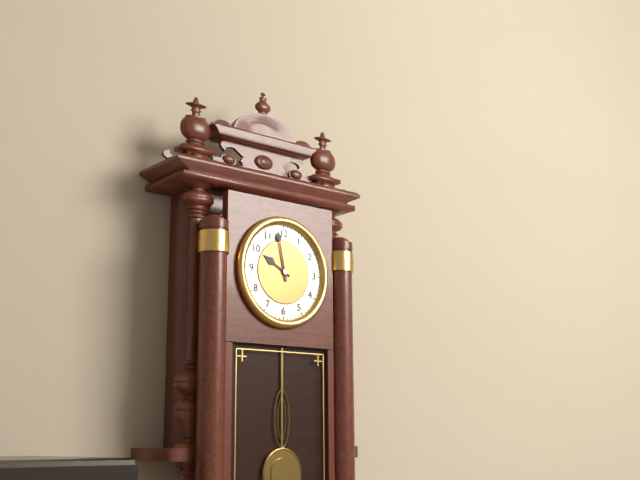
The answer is 9,58
